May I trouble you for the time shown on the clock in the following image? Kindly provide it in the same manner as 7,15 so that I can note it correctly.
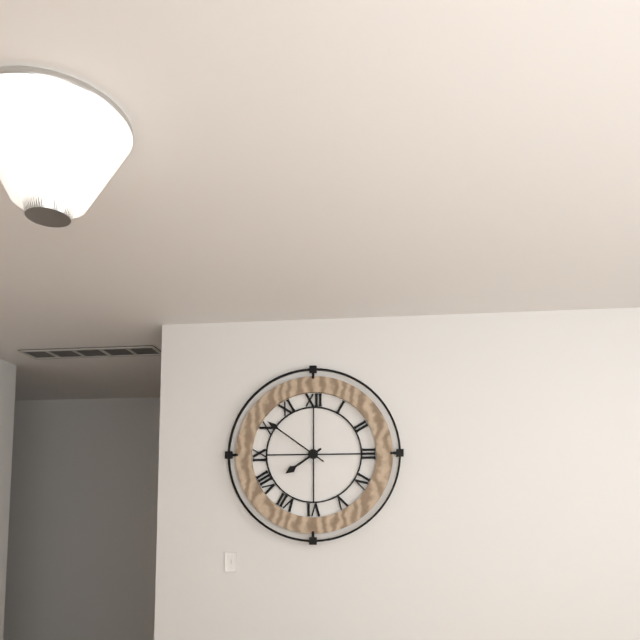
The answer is 7,51
